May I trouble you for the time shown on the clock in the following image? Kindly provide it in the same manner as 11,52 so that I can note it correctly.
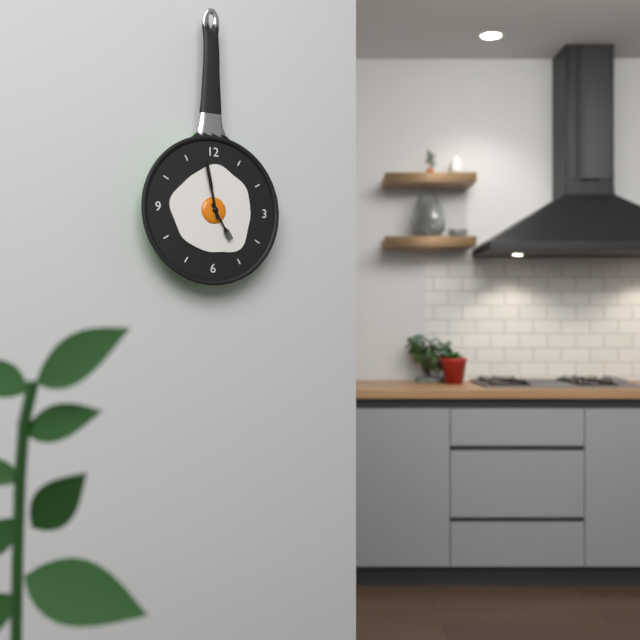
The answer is 4,58
